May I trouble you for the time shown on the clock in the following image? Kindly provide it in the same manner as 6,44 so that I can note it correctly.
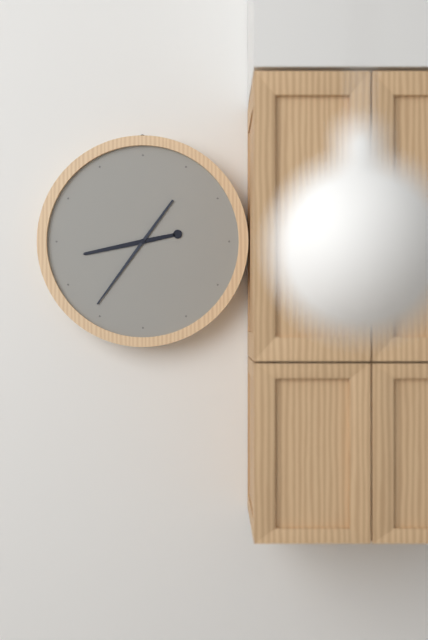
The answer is 8,36
